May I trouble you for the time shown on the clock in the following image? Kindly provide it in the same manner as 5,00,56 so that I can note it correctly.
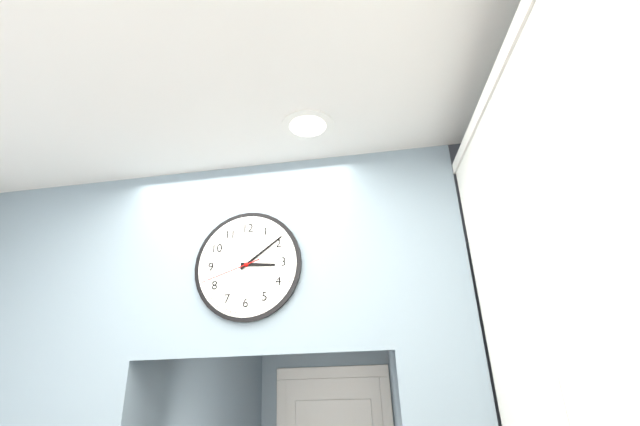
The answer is 3,09,42
